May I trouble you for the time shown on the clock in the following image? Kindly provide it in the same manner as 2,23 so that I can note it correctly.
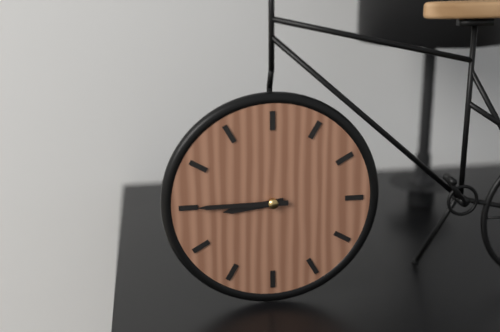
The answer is 8,45
